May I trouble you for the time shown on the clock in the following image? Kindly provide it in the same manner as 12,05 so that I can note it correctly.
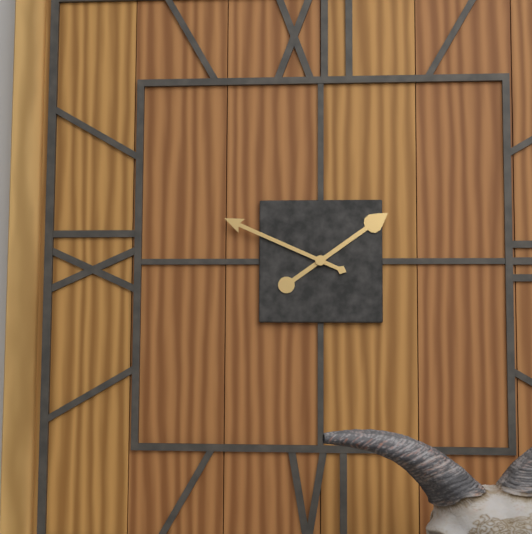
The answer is 1,49
